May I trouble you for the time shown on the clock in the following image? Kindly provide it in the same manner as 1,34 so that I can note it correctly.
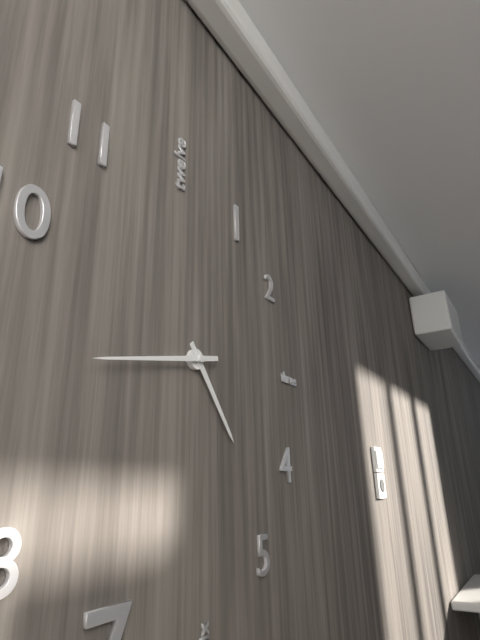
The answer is 4,43
